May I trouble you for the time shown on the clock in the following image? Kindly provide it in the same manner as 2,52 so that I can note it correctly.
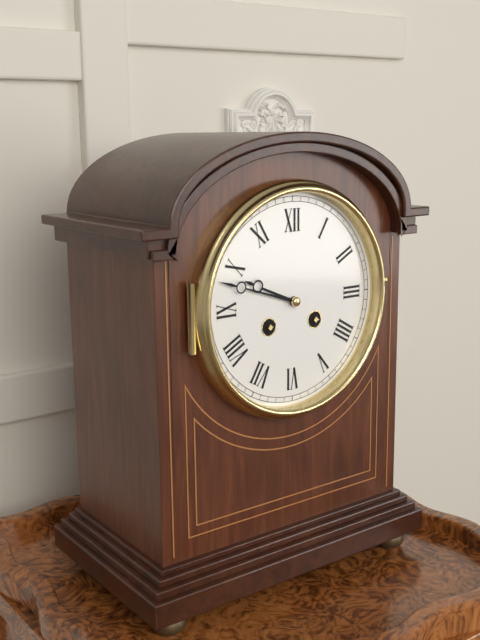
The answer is 9,48
